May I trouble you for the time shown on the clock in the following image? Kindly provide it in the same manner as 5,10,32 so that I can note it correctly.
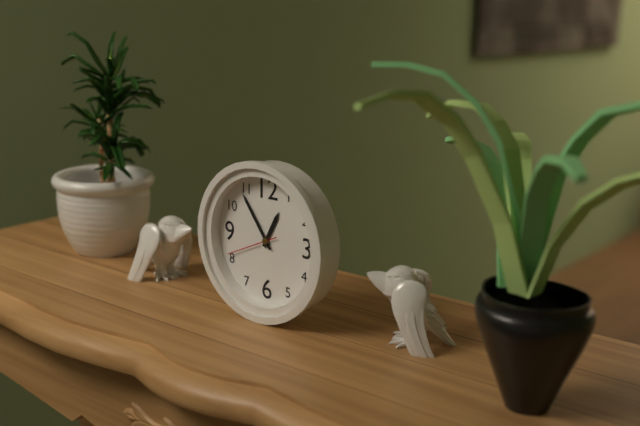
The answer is 12,54,41
